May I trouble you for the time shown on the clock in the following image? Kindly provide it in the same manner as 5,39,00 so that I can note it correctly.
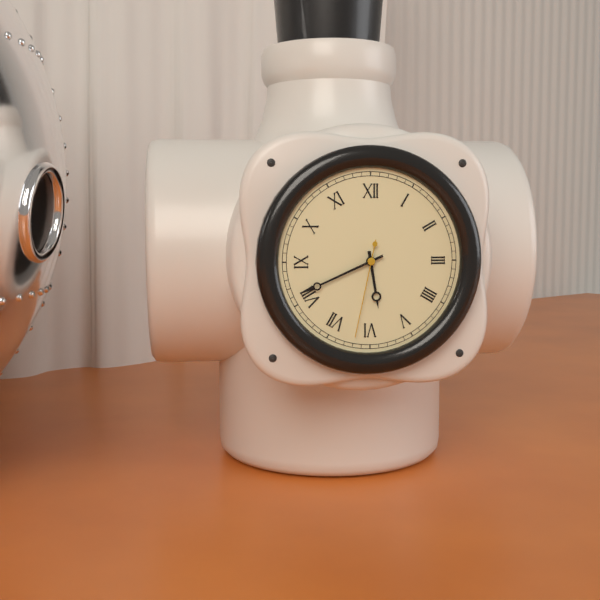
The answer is 5,41,32
